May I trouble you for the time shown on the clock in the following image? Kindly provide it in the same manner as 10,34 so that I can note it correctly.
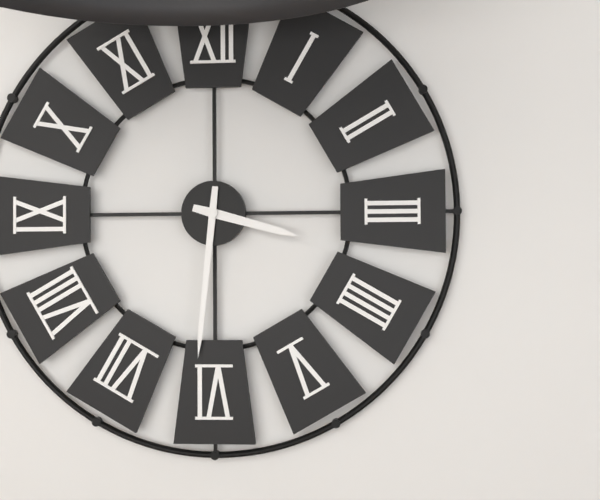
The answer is 3,31
